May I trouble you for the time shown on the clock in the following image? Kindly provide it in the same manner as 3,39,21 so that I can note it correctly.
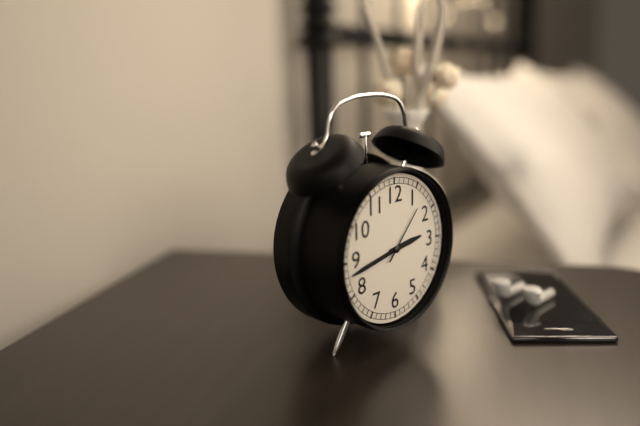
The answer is 2,43,07
